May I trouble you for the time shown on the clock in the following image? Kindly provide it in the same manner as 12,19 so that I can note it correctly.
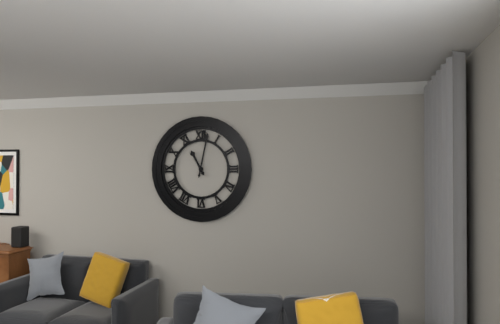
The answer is 11,02
